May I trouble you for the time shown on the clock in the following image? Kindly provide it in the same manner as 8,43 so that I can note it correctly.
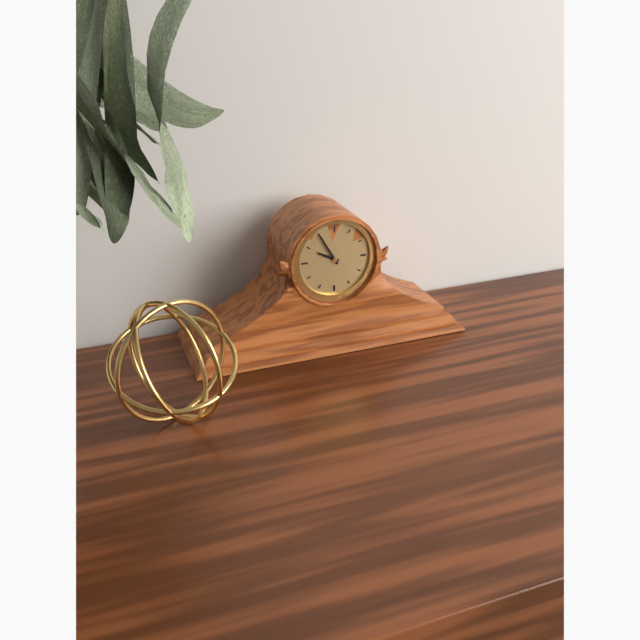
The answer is 9,55
